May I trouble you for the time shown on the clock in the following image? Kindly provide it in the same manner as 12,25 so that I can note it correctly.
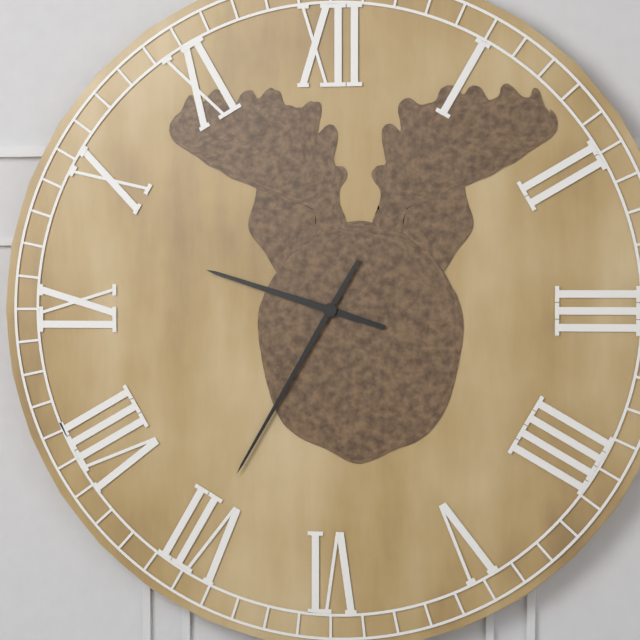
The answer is 9,35
